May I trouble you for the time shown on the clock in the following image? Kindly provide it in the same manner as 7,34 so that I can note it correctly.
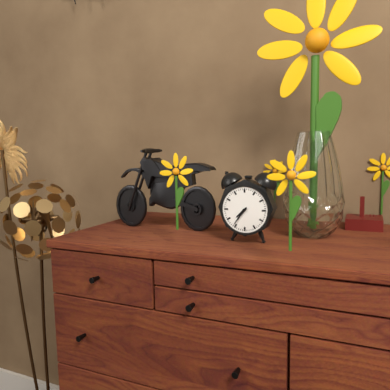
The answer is 7,36
